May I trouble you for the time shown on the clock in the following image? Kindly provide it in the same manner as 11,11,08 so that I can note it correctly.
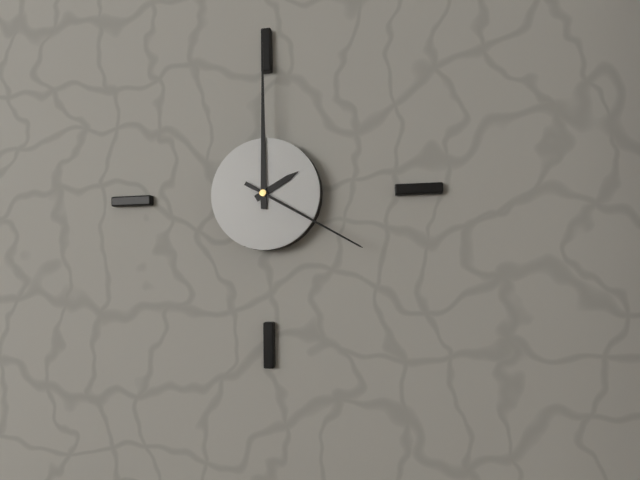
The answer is 2,00,20
